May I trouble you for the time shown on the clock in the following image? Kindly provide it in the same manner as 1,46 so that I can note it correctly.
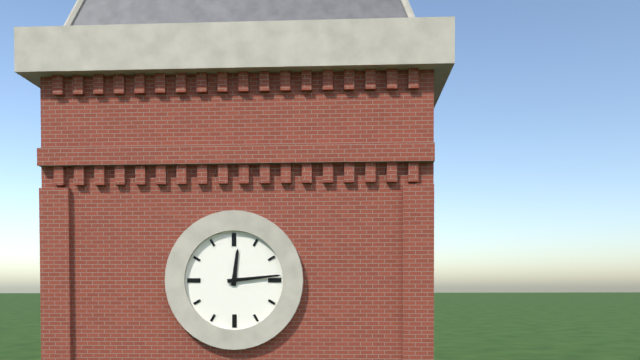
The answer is 12,14
